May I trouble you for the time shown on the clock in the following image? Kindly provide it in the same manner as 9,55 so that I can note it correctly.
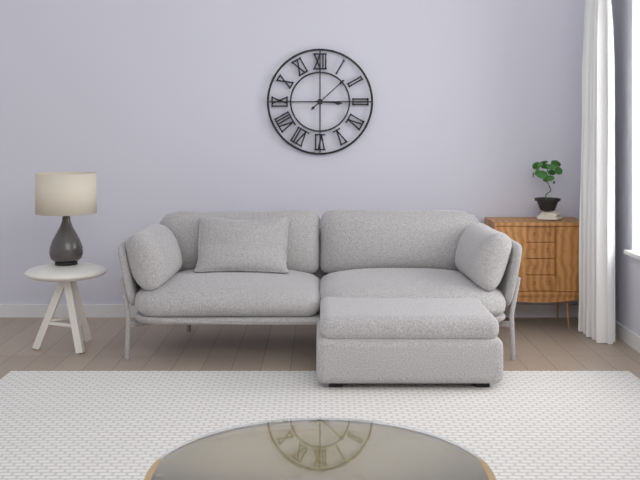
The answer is 3,08
